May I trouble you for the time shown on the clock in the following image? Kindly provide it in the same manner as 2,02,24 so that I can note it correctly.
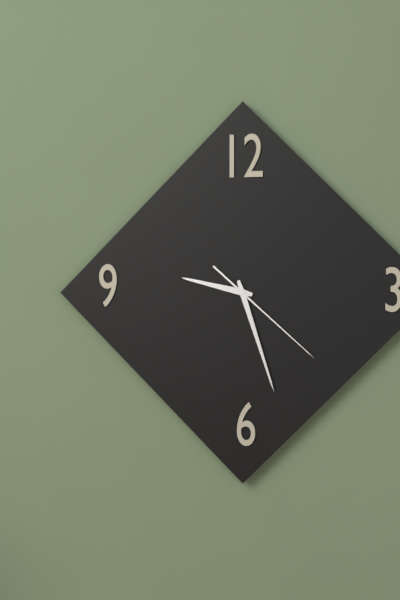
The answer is 9,27,22
